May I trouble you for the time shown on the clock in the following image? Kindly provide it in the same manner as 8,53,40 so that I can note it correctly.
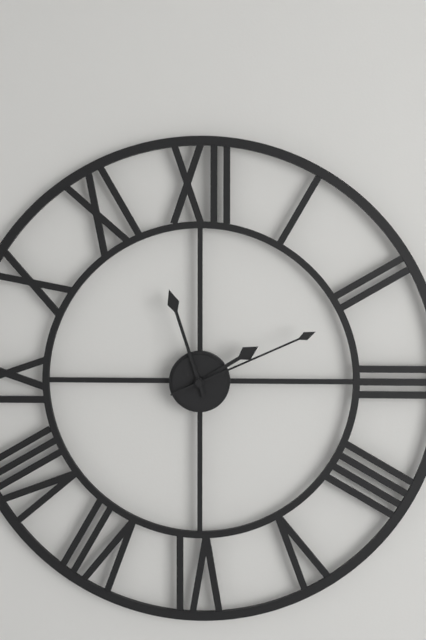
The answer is 1,57,11
